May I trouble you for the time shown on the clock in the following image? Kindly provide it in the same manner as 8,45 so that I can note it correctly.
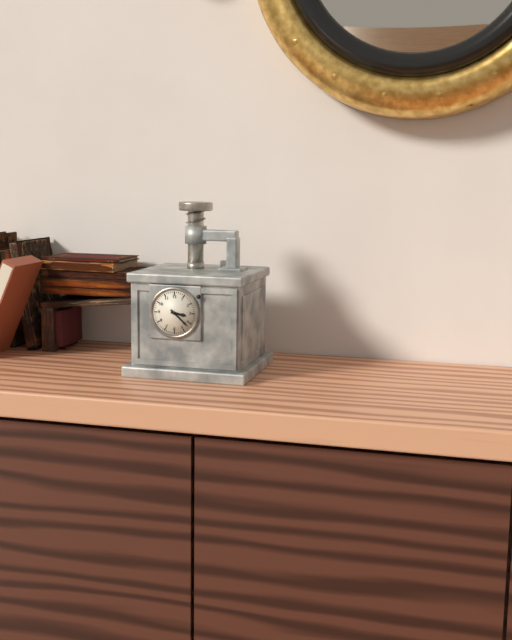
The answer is 3,22
